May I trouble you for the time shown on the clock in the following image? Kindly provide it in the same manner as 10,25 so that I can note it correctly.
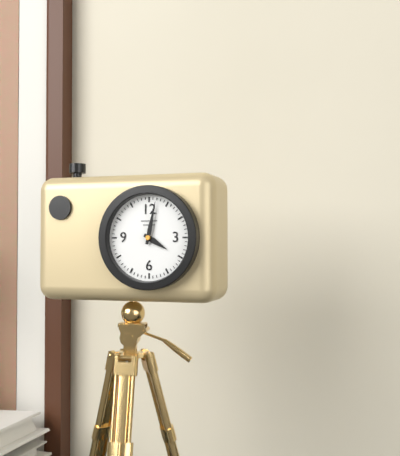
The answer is 4,02
